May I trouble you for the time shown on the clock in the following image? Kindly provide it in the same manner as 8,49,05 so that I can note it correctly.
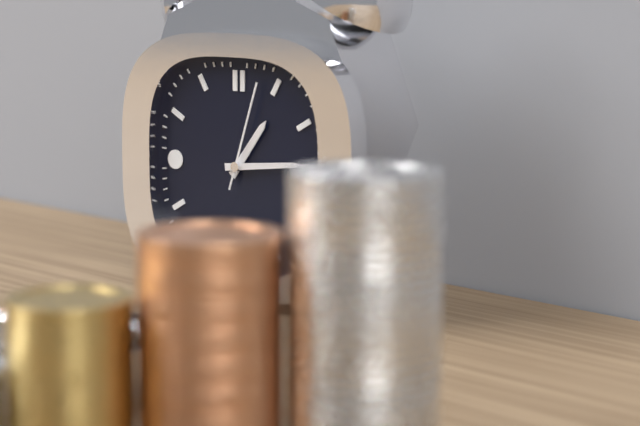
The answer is 1,14,03
